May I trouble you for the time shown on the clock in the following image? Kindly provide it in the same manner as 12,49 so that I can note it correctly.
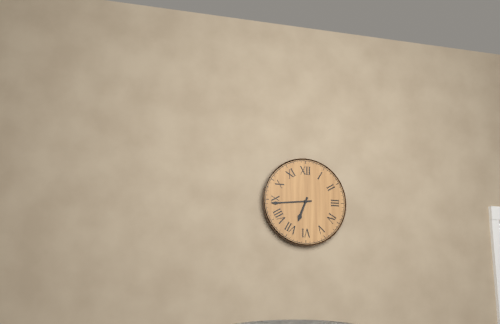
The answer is 6,44
